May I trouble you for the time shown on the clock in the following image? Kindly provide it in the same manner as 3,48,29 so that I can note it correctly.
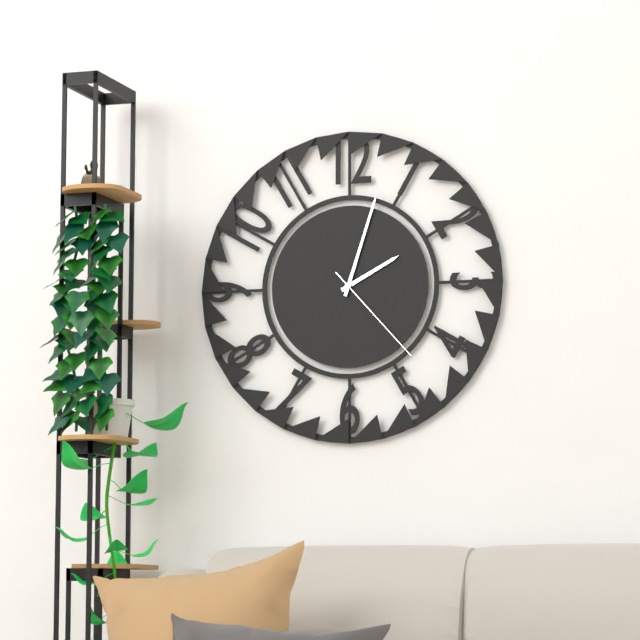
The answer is 2,03,23
